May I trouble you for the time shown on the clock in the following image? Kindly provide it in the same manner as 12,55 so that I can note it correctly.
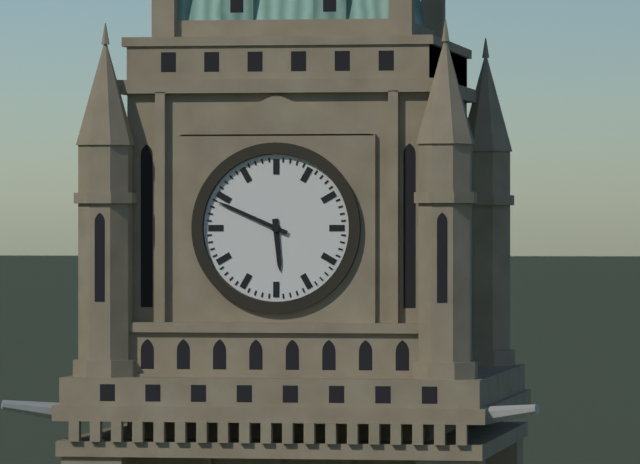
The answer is 5,49
